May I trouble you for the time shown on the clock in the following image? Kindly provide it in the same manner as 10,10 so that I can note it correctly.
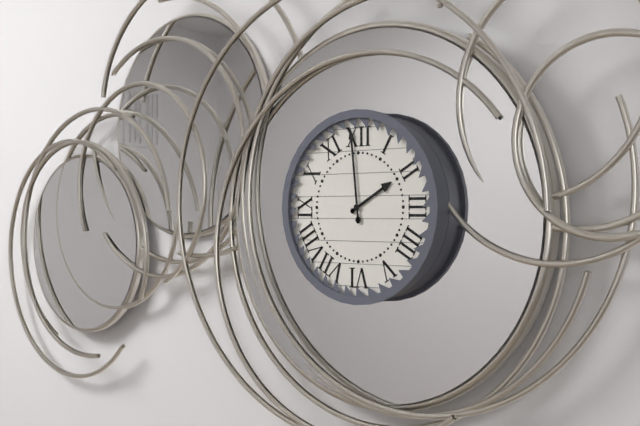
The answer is 1,59
